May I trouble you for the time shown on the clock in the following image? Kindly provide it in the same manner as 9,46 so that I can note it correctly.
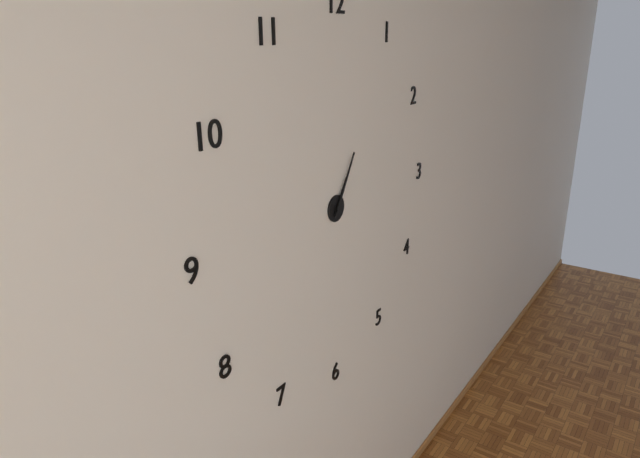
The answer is 1,05
